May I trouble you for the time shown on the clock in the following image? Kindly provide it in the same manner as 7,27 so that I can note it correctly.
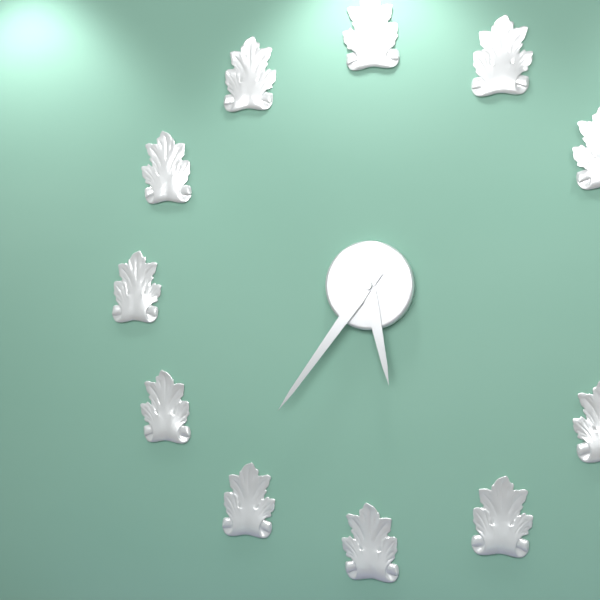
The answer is 5,36
